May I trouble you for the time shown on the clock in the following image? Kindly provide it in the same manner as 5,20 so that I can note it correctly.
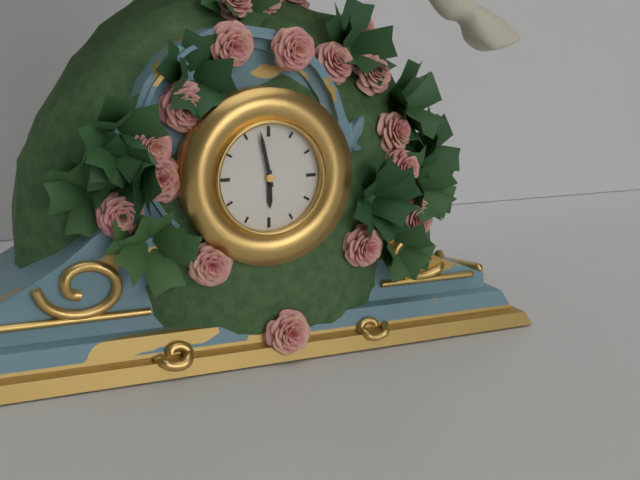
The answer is 5,58
